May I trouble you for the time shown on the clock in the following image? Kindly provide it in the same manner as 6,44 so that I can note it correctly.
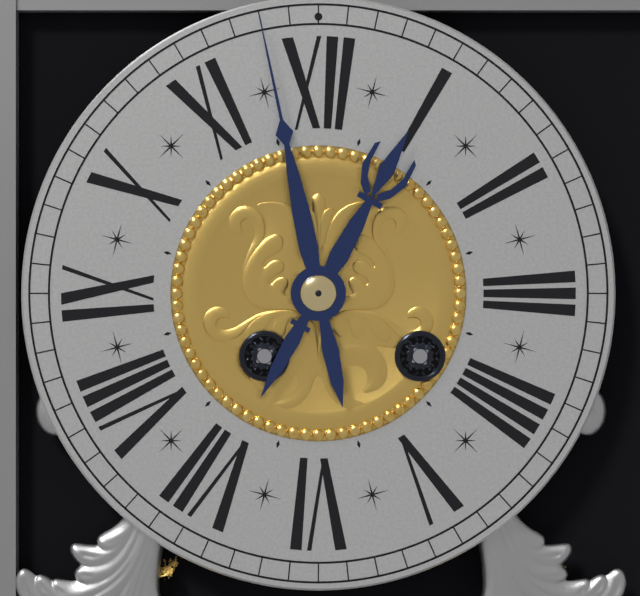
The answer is 12,58
